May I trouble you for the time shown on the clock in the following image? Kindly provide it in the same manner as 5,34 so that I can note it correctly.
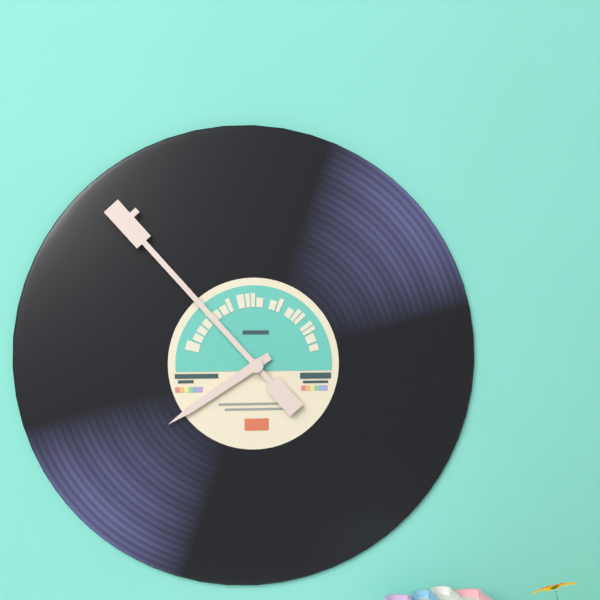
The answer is 7,53
